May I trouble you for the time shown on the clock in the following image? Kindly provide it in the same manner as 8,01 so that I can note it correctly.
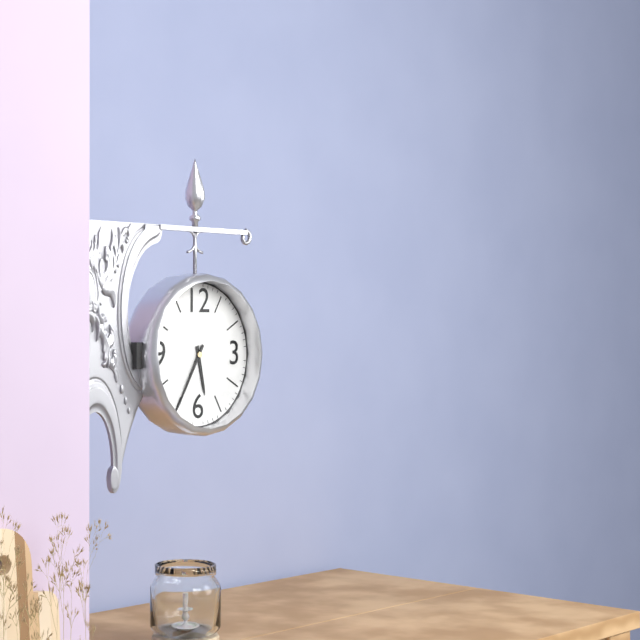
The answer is 5,35
